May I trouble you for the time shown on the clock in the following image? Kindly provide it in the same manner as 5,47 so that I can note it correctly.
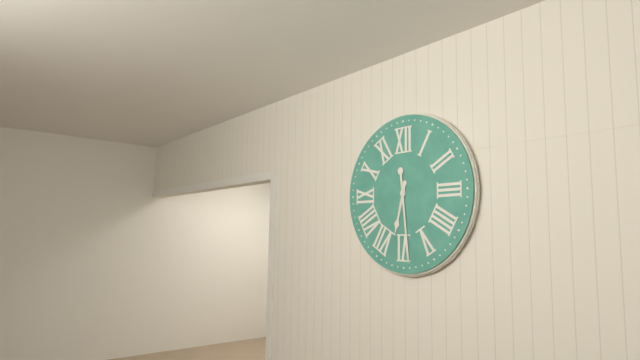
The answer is 6,29
